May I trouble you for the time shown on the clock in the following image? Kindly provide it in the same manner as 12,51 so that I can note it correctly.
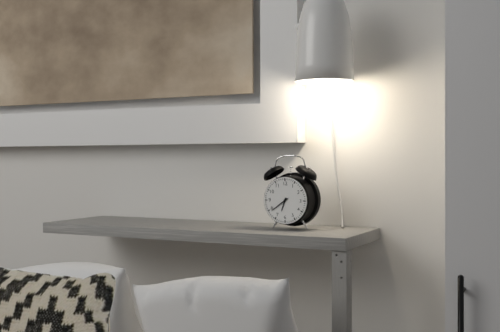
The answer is 6,39
